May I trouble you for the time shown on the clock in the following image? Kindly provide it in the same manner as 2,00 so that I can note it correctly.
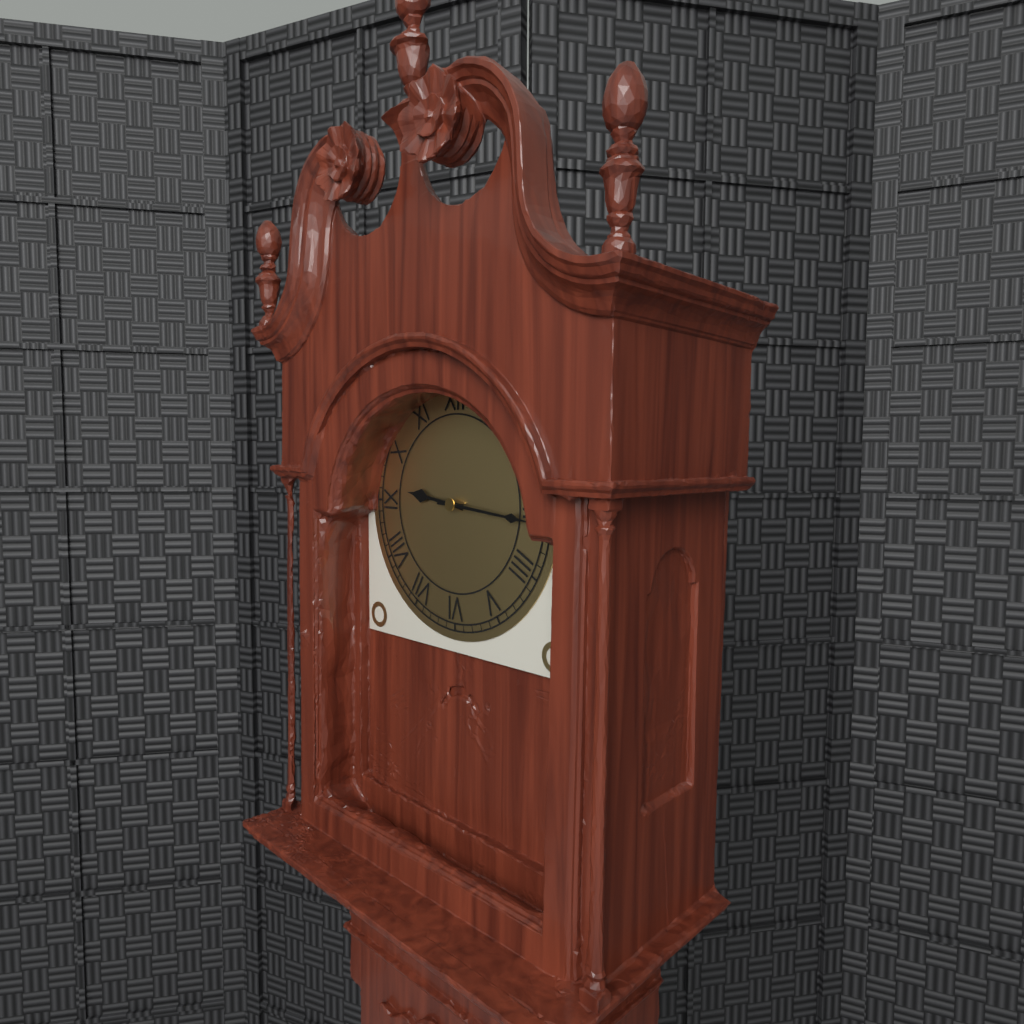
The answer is 9,16
